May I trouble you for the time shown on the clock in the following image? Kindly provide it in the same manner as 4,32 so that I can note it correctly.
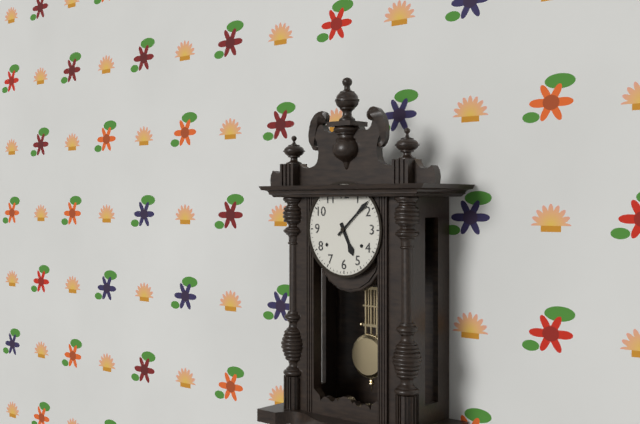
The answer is 5,08
